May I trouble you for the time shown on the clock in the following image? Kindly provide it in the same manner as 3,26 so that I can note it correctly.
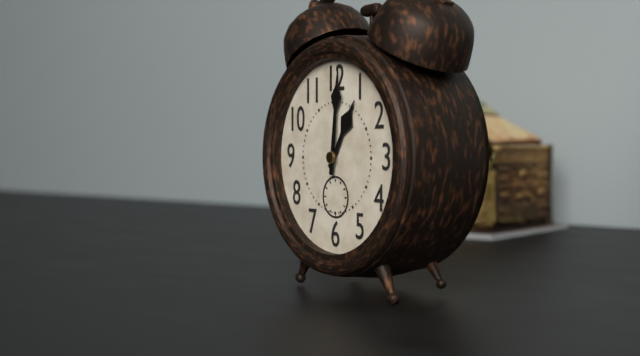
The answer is 1,01
